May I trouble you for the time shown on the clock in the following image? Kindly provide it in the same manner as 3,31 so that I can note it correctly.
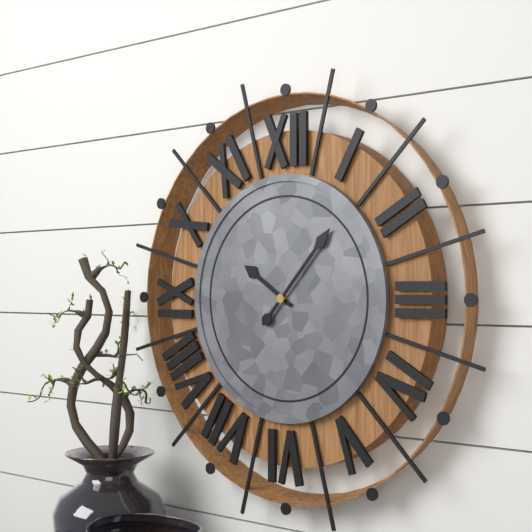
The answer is 10,07
